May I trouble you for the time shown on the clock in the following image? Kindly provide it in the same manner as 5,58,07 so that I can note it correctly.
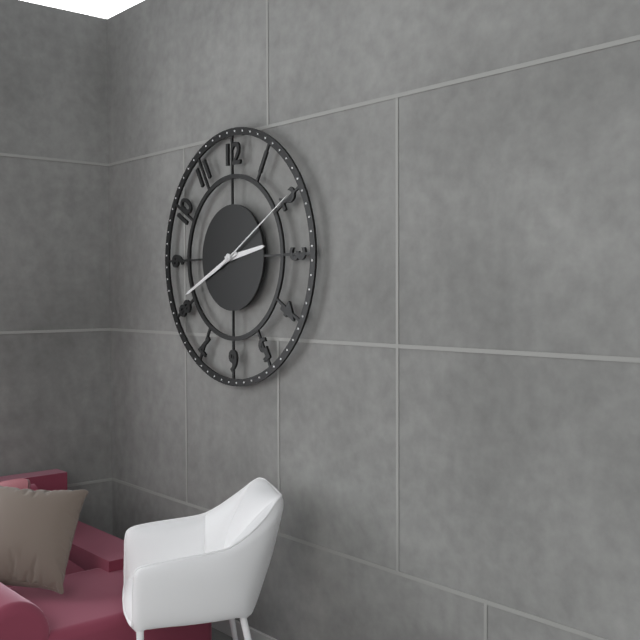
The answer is 2,41,10
